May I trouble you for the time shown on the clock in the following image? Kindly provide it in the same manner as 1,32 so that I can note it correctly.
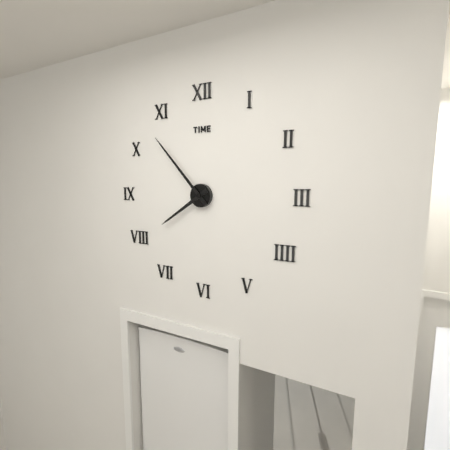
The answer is 7,53
